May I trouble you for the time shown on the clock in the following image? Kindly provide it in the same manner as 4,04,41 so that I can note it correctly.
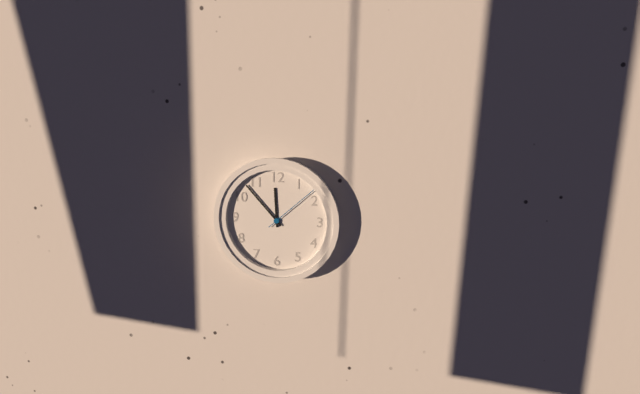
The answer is 11,53,08
